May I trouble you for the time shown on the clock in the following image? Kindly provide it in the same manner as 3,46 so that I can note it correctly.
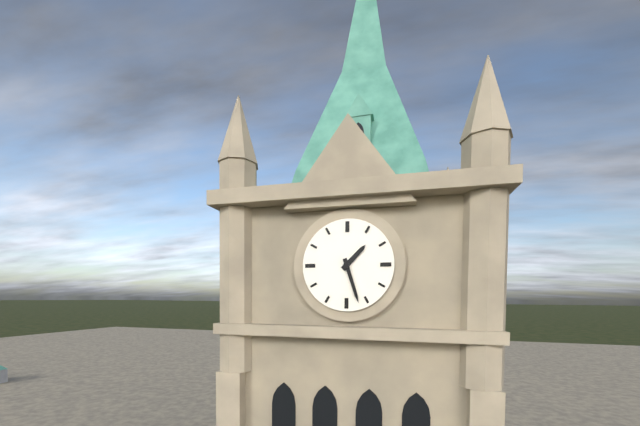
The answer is 1,27
